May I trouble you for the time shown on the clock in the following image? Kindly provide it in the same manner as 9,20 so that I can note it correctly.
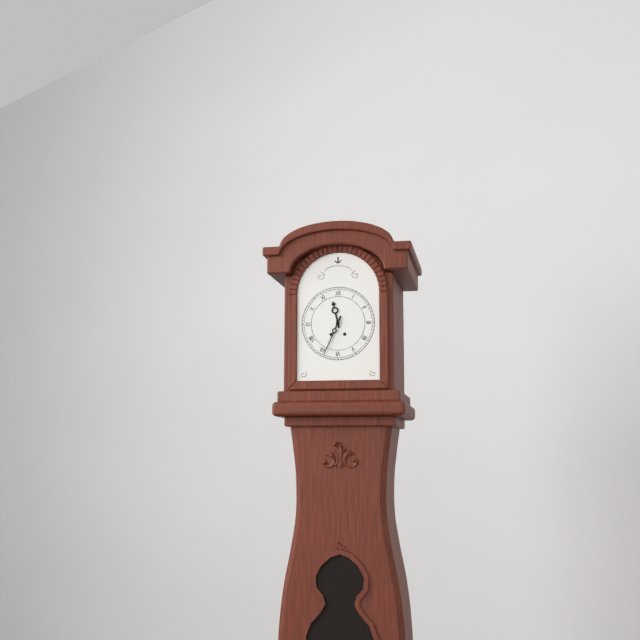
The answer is 11,34
